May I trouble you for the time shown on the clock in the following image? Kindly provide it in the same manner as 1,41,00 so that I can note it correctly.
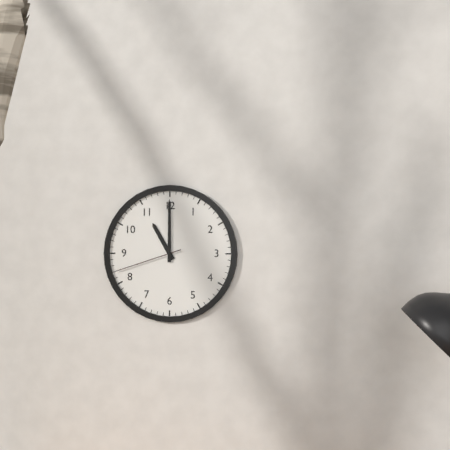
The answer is 11,00,42
